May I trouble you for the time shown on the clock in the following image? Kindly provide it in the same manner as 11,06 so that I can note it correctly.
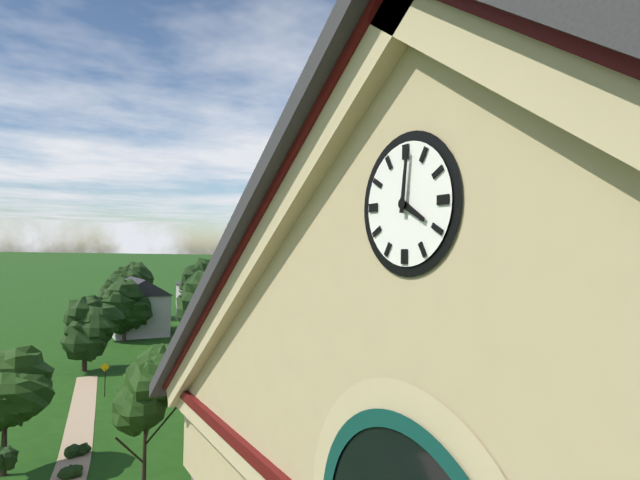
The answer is 4,01
